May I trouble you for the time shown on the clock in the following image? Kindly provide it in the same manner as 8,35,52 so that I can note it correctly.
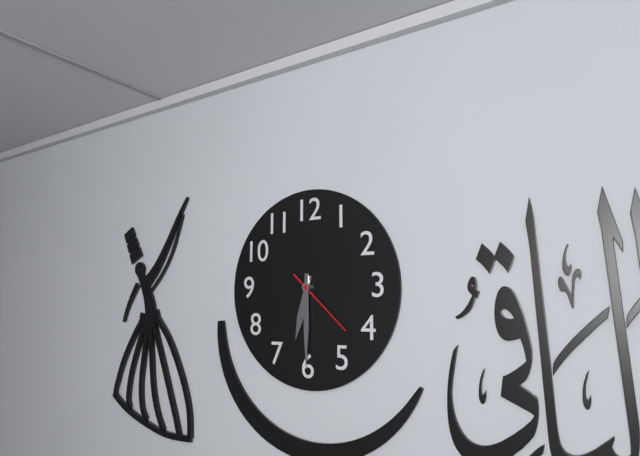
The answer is 6,30,22
